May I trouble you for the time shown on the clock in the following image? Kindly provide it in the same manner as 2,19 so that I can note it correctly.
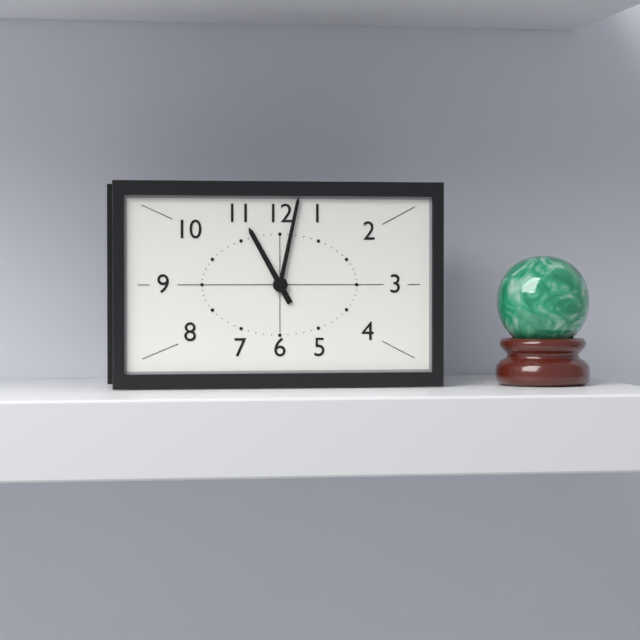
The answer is 11,02
